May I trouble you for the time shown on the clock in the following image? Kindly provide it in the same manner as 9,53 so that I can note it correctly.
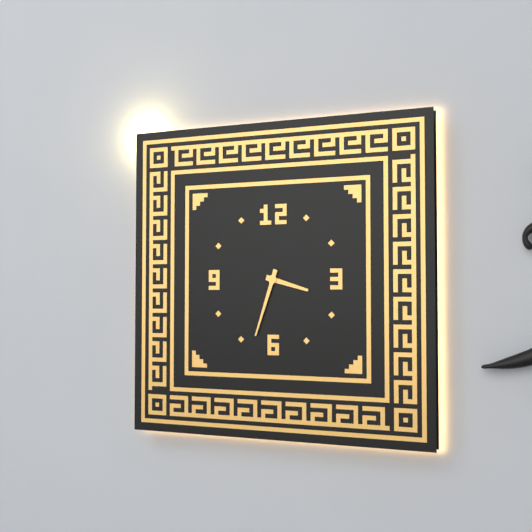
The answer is 3,33
